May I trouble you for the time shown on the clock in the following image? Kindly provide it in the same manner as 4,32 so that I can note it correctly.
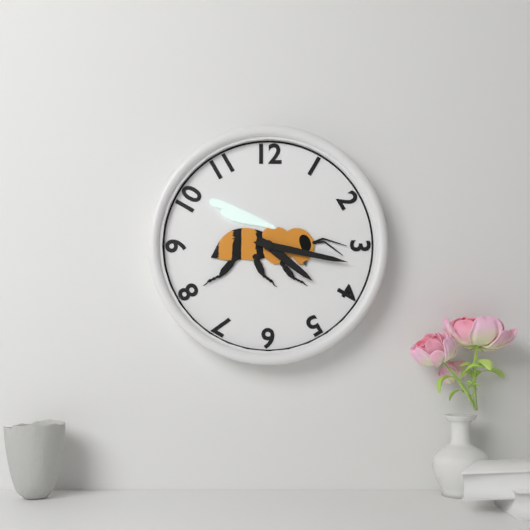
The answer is 4,17
